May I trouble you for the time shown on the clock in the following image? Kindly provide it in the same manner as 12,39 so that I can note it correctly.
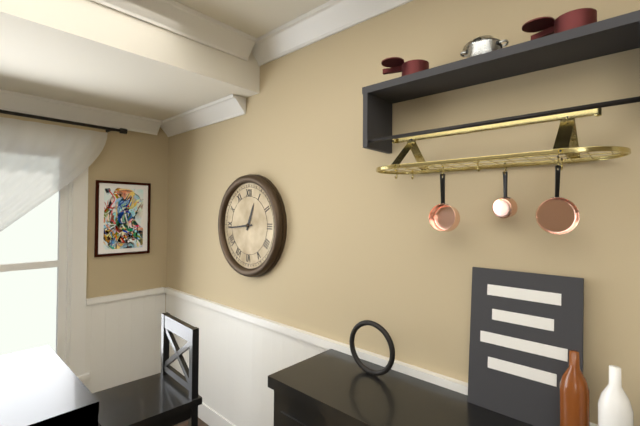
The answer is 12,44
